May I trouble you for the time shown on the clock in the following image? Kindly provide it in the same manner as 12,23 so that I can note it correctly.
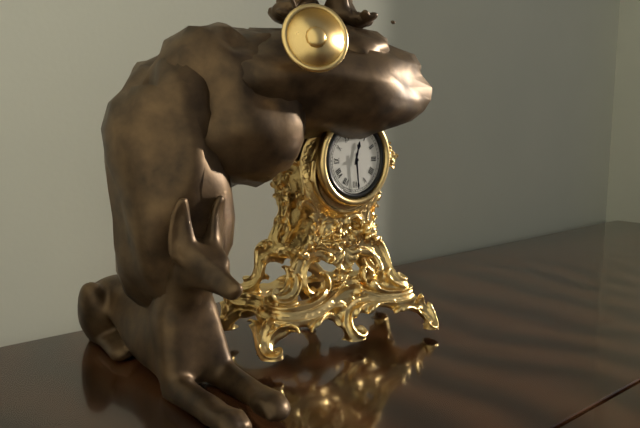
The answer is 12,29
